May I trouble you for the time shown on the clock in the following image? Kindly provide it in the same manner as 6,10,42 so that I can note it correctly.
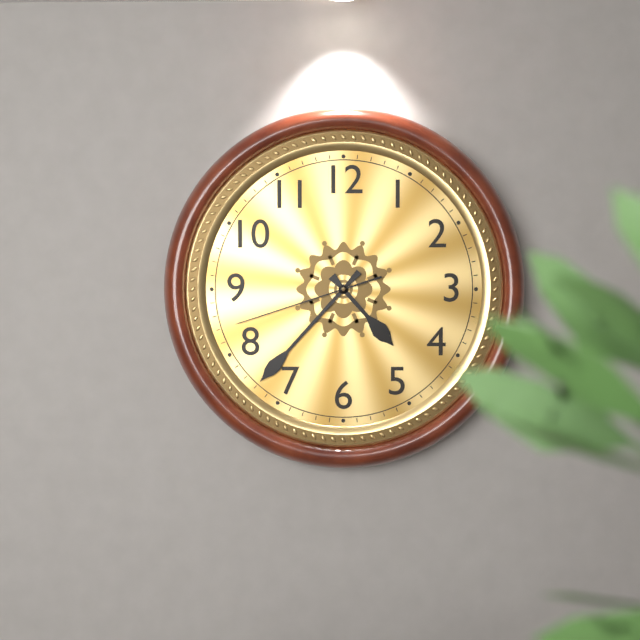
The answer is 4,37,42
